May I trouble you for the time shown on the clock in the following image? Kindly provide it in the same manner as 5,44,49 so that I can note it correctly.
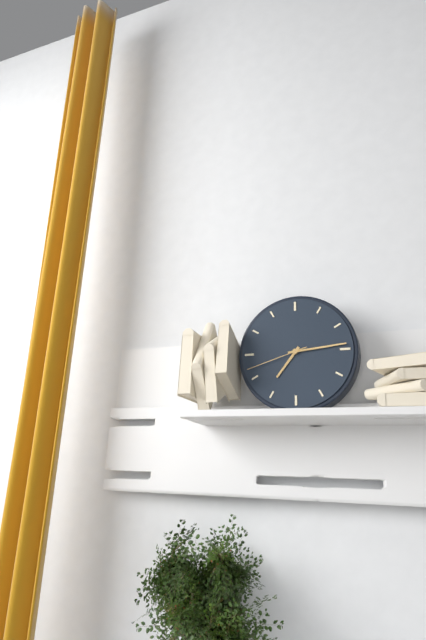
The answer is 7,14,42
